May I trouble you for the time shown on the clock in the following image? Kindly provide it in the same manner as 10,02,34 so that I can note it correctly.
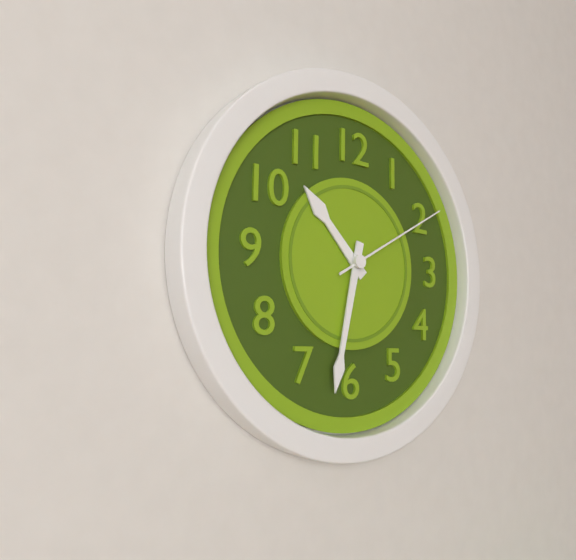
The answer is 10,32,10
